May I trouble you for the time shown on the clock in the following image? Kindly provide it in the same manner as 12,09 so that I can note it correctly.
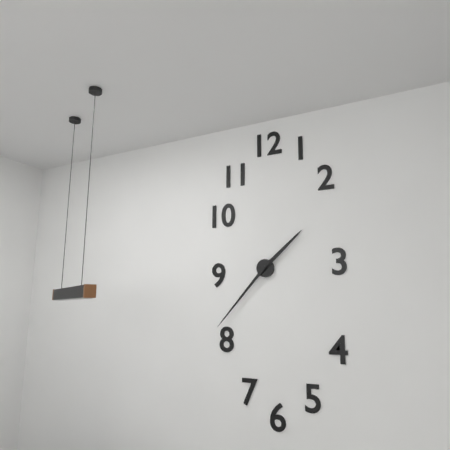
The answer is 1,37
